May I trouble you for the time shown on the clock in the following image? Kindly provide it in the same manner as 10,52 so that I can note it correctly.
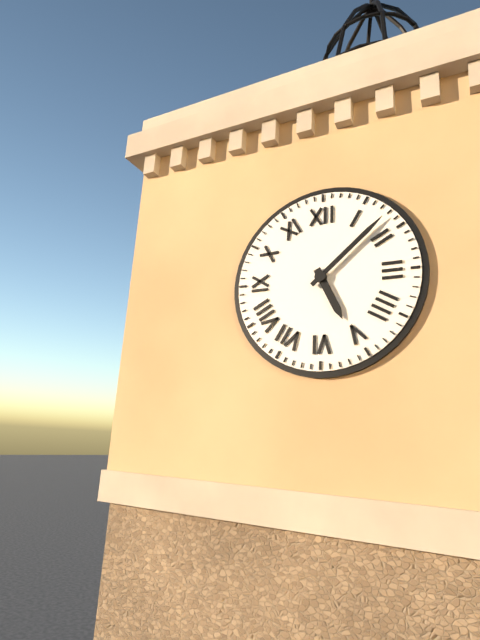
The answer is 5,08
